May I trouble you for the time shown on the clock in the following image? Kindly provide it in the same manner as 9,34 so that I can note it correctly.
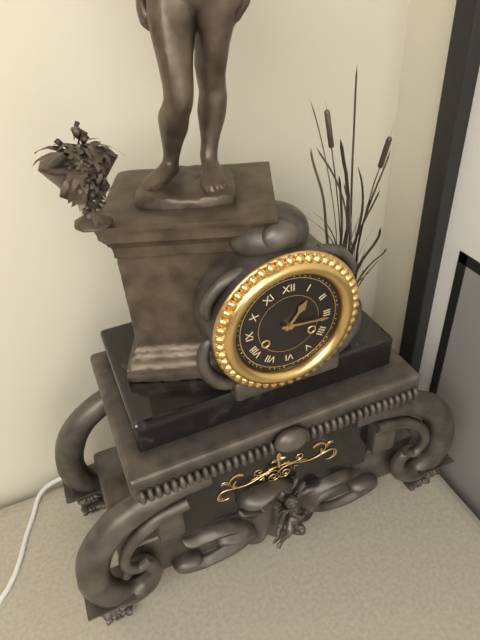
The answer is 1,16
